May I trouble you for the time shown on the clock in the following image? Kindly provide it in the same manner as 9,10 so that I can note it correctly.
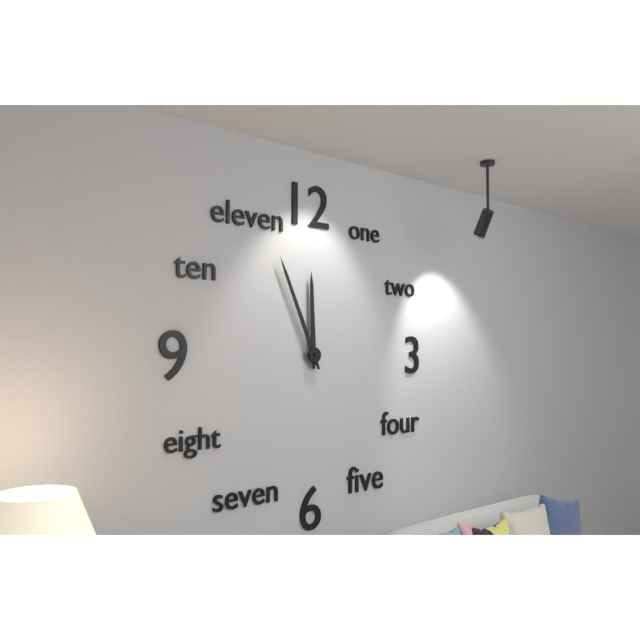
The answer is 11,56
